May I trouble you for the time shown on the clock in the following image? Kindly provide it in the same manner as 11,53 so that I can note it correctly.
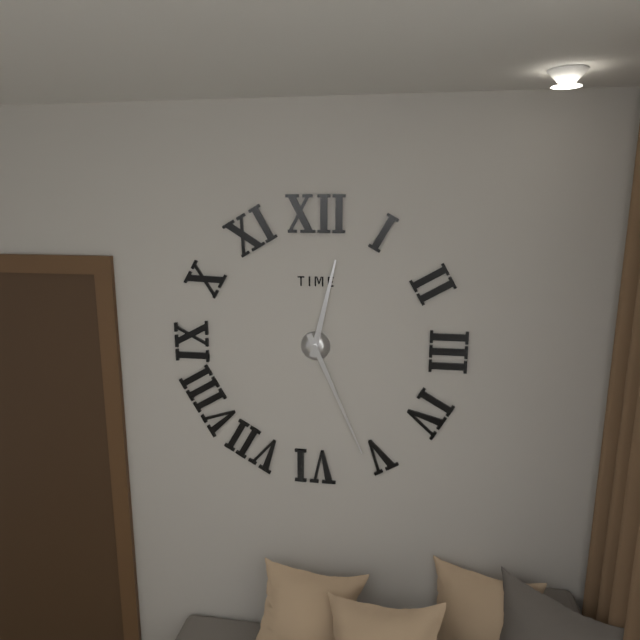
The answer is 12,26
